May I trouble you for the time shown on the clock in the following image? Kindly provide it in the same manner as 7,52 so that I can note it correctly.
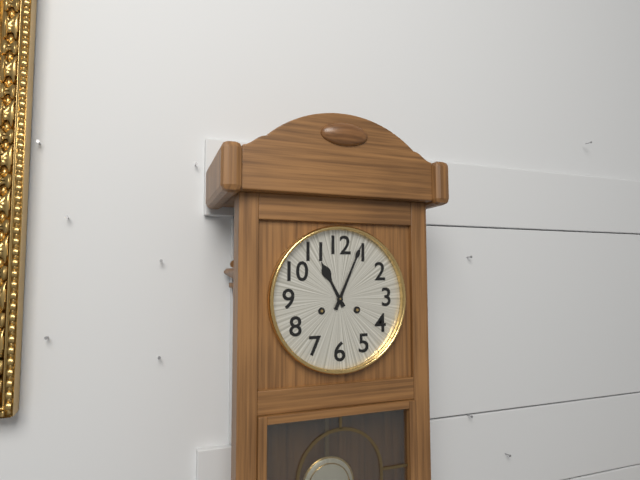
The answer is 11,04
